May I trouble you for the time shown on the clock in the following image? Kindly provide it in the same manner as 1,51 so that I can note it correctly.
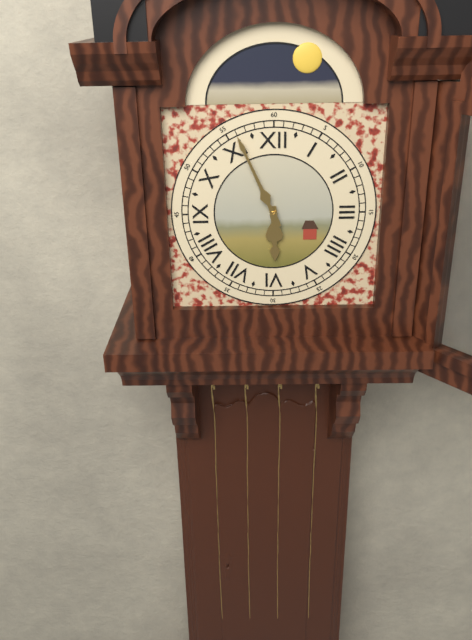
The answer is 5,56
